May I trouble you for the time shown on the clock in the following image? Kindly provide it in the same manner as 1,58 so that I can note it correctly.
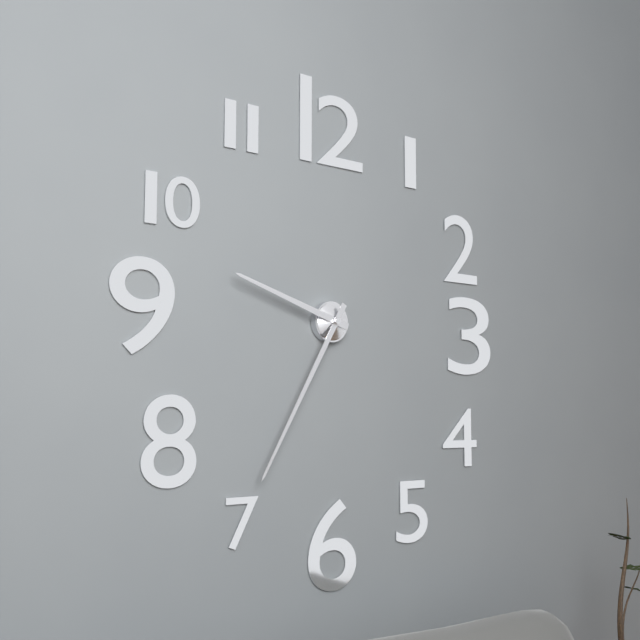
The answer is 9,35
